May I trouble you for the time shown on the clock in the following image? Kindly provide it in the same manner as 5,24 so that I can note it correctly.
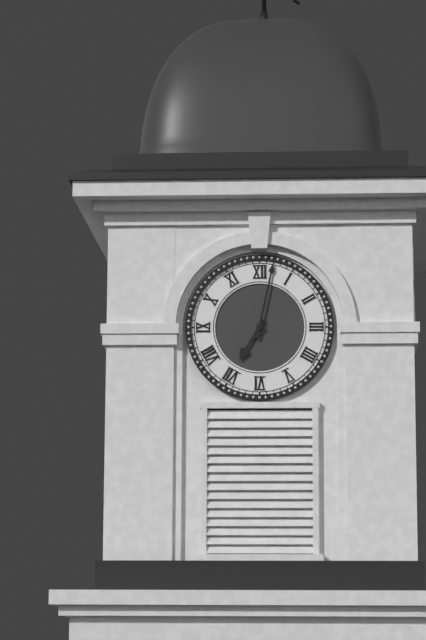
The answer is 7,02
